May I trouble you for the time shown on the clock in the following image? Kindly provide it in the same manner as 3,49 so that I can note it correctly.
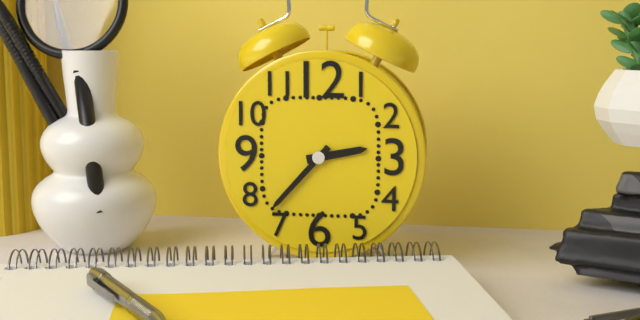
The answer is 2,37
